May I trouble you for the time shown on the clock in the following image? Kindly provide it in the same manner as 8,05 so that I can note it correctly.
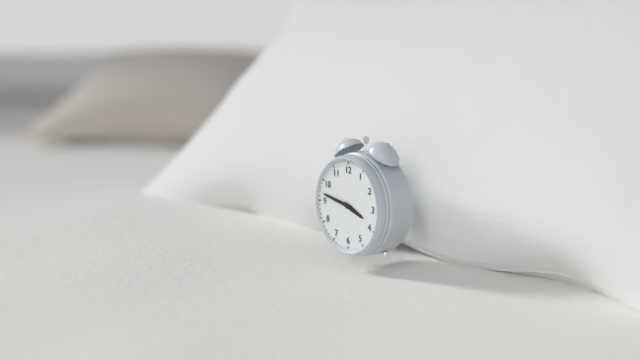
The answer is 3,47
